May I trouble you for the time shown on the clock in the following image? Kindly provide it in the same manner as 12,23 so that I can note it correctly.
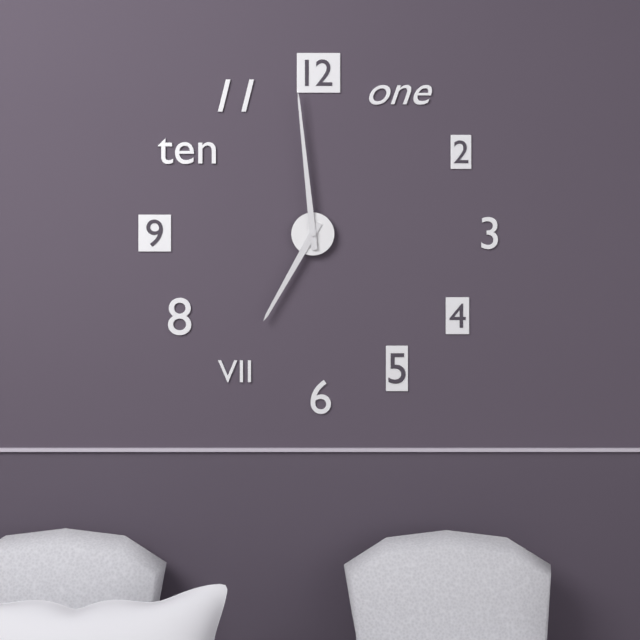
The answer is 6,59
